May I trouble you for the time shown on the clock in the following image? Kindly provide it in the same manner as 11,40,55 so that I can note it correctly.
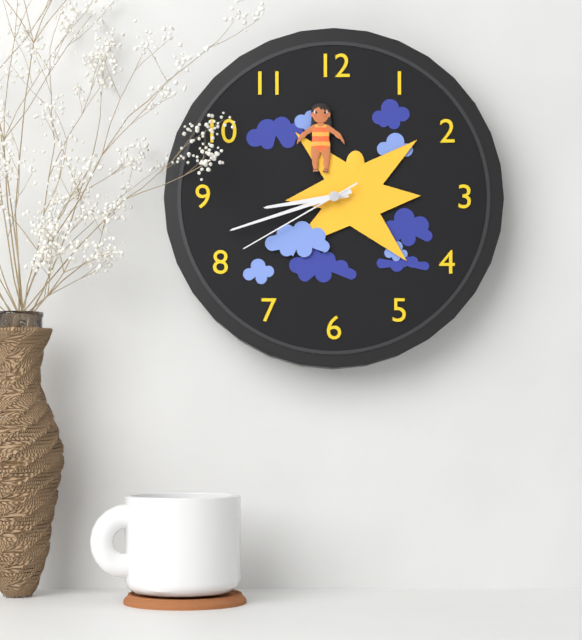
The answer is 8,42,40
